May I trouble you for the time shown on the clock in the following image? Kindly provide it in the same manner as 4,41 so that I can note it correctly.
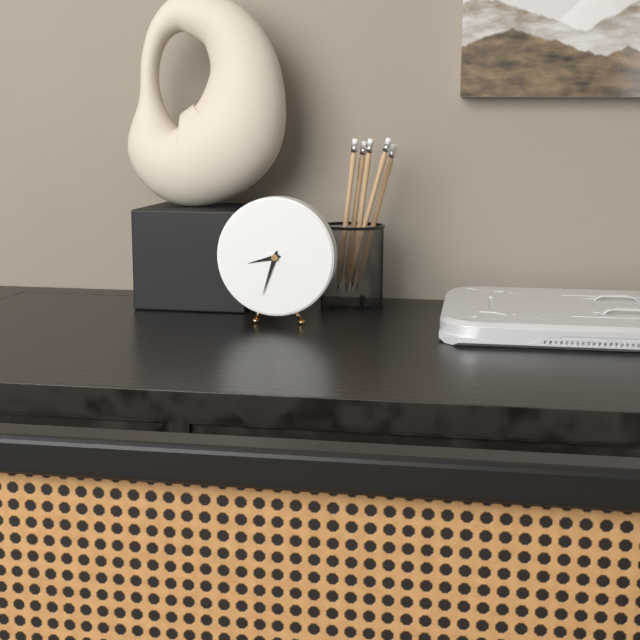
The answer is 8,33
